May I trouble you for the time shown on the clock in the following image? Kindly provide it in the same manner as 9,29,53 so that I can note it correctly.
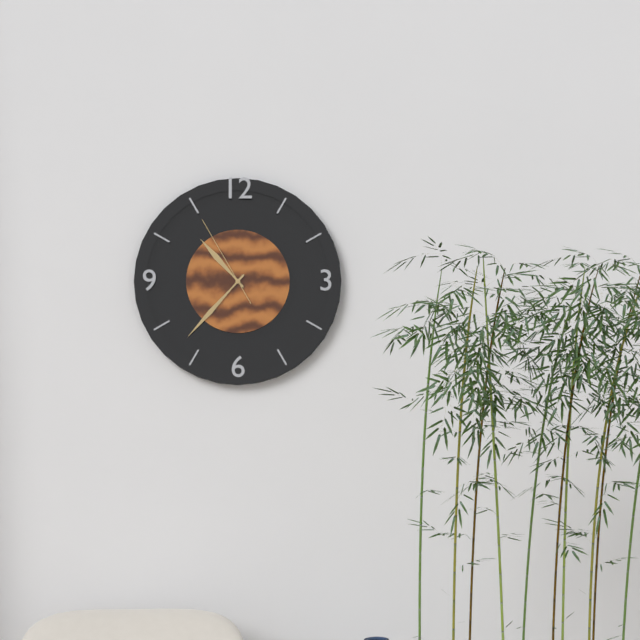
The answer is 10,37,55
